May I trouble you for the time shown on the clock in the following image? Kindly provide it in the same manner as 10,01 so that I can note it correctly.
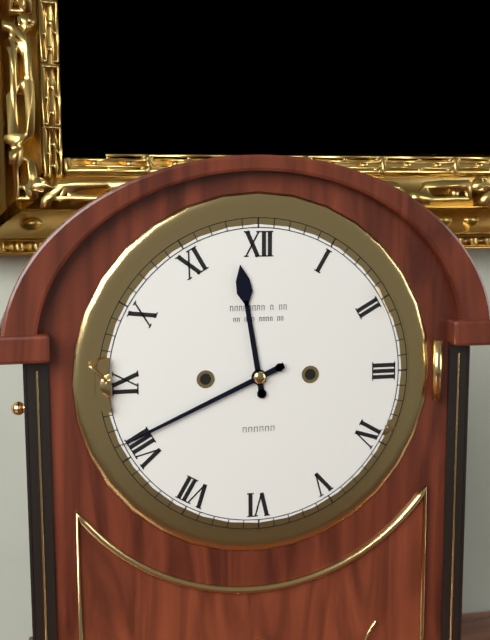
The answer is 11,41
